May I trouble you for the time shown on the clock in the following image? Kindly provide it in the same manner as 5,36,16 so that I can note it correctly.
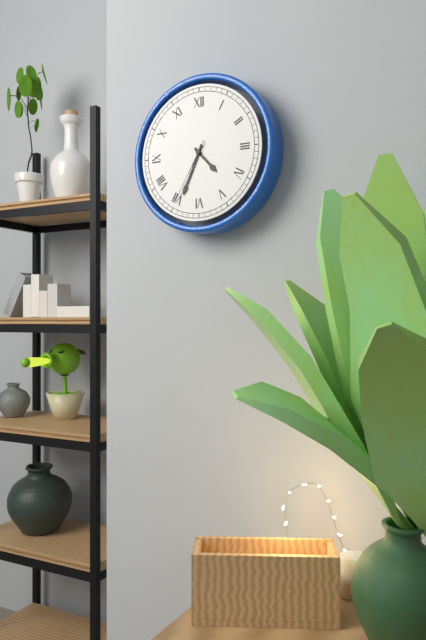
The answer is 4,34,35
